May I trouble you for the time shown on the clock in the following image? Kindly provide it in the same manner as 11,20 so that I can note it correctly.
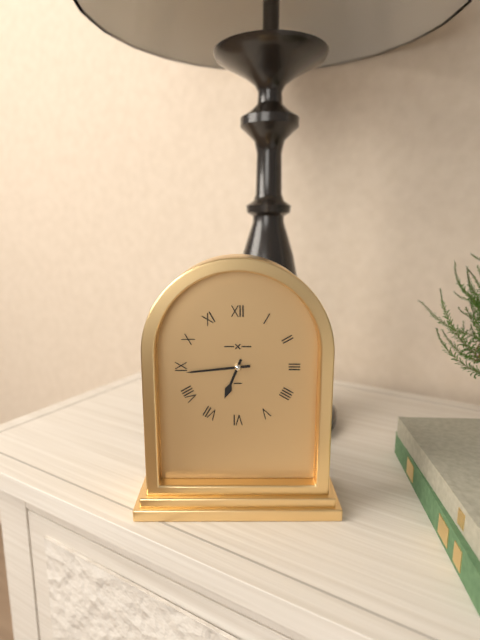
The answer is 6,44
